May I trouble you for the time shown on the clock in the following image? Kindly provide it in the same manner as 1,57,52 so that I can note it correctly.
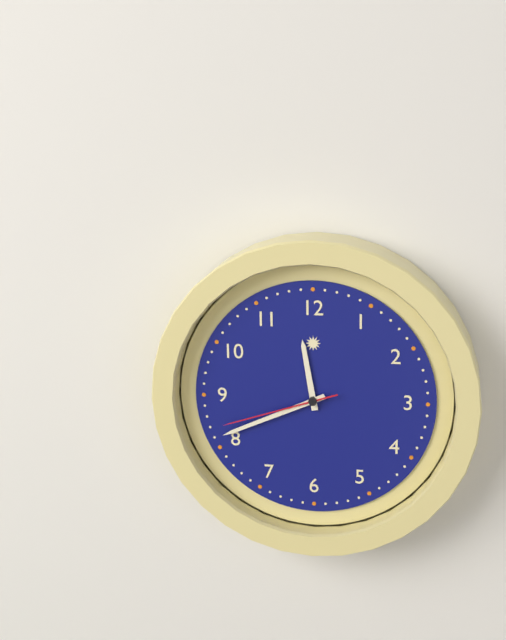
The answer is 11,41,42
